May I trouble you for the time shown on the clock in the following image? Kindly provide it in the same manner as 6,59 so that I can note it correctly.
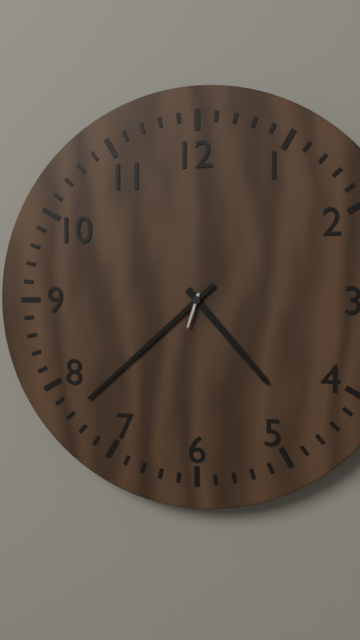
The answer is 4,38
